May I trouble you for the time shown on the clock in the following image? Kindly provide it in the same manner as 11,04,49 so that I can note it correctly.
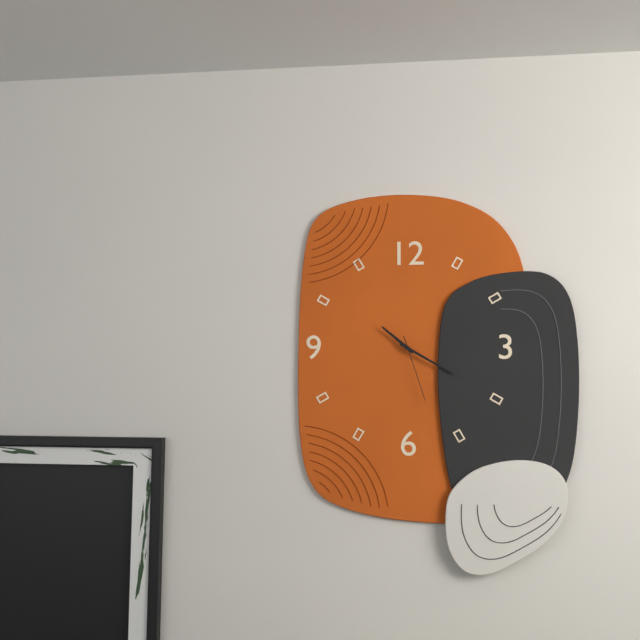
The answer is 10,20,27
